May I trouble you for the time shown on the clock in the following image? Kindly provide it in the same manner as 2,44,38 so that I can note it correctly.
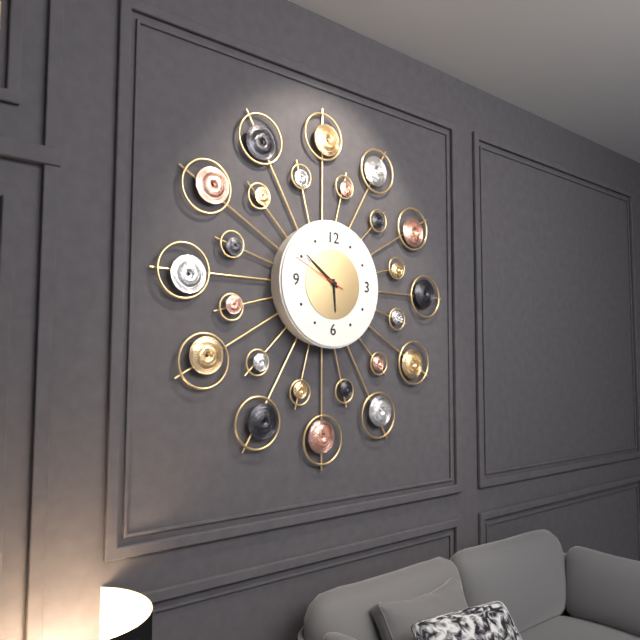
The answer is 5,51,49
